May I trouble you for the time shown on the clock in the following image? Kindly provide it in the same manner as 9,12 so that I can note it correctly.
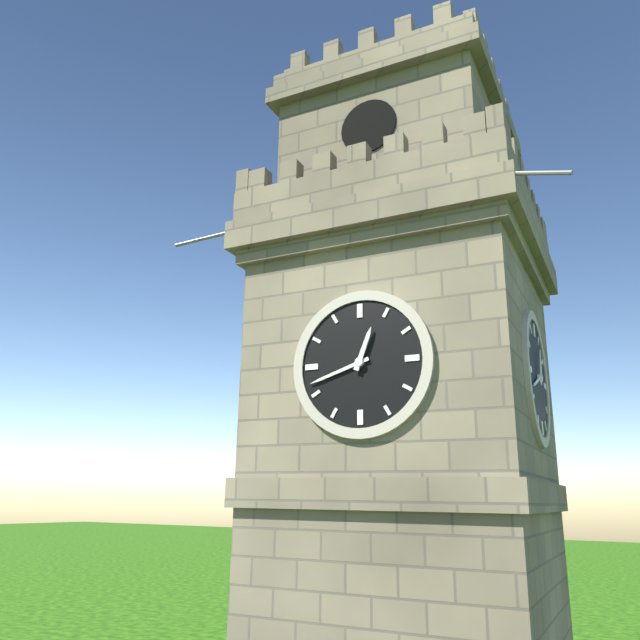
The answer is 12,42
